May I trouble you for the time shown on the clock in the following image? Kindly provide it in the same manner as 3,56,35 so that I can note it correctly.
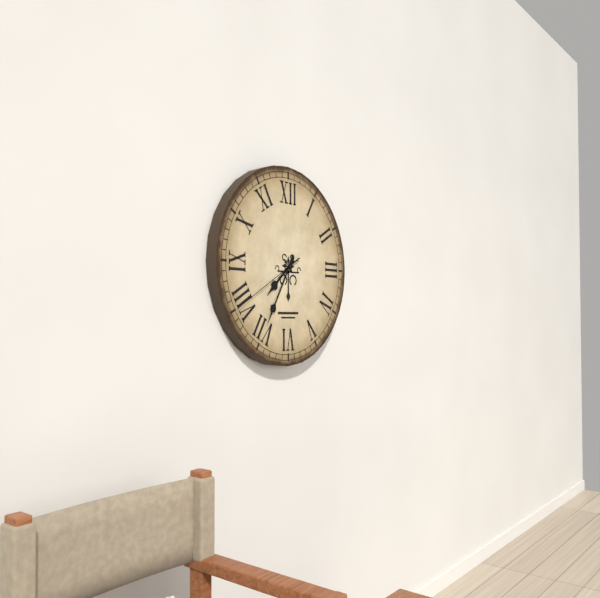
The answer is 7,35,40
